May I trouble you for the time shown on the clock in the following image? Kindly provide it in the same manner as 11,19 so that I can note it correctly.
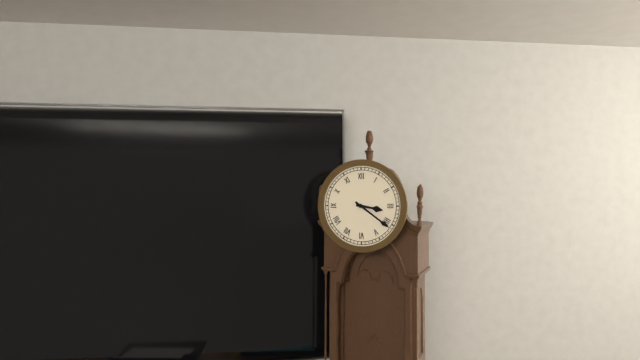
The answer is 3,21
